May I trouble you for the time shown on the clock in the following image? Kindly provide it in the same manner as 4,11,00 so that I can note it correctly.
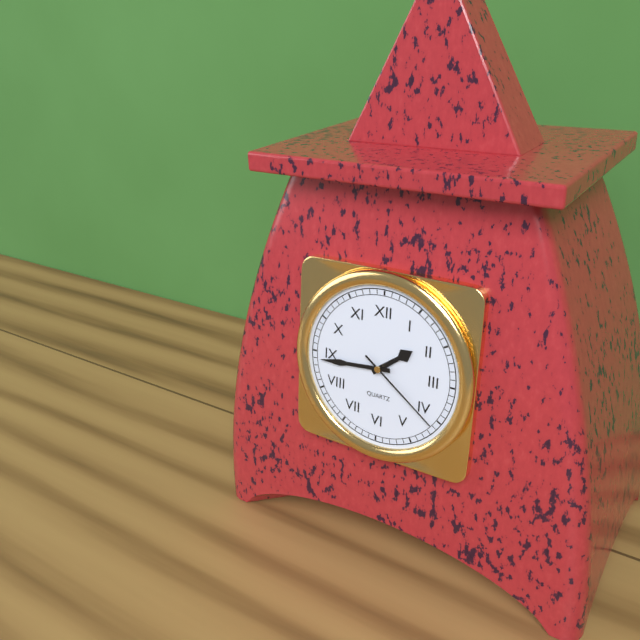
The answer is 1,44,21
